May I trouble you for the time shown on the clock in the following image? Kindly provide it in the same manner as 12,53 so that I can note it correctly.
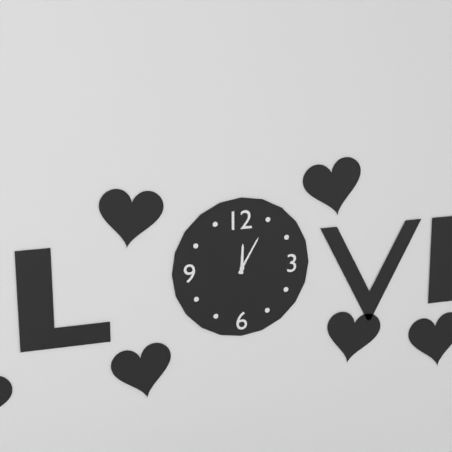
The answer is 12,05
